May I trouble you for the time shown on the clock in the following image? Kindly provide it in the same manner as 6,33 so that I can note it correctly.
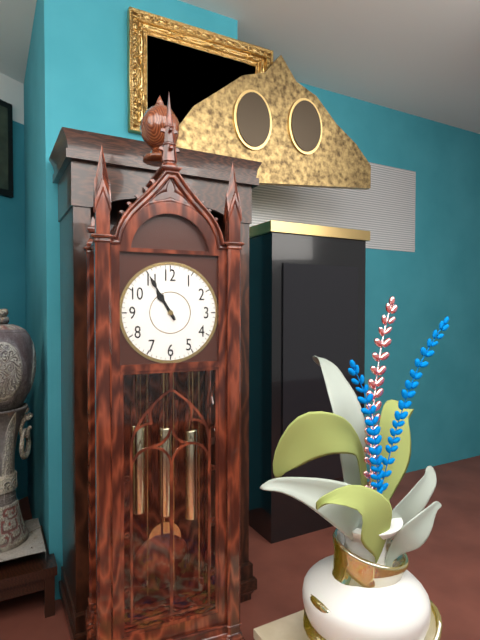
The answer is 10,55
